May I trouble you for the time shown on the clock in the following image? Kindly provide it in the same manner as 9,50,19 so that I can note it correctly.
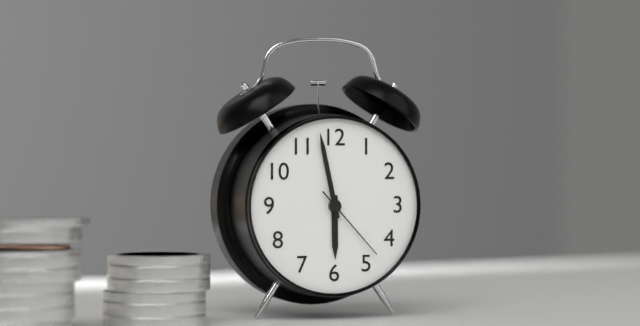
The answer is 5,58,23
